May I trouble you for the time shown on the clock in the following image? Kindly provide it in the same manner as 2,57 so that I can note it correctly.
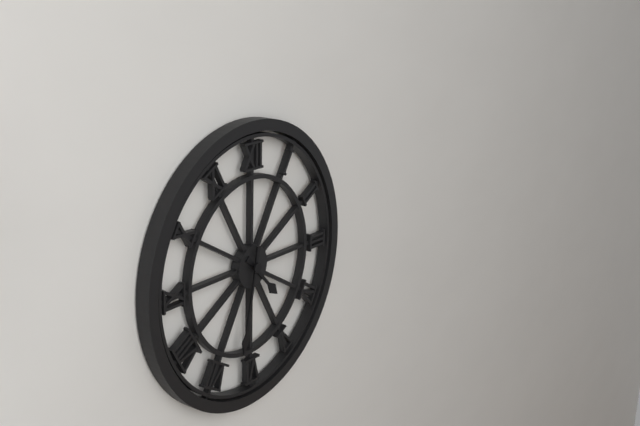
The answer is 4,32
